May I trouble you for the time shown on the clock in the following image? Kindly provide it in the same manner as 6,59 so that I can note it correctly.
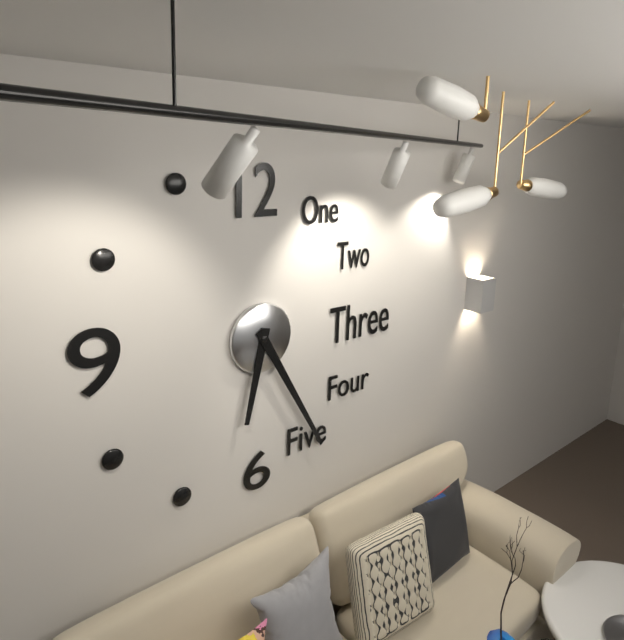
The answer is 6,25
